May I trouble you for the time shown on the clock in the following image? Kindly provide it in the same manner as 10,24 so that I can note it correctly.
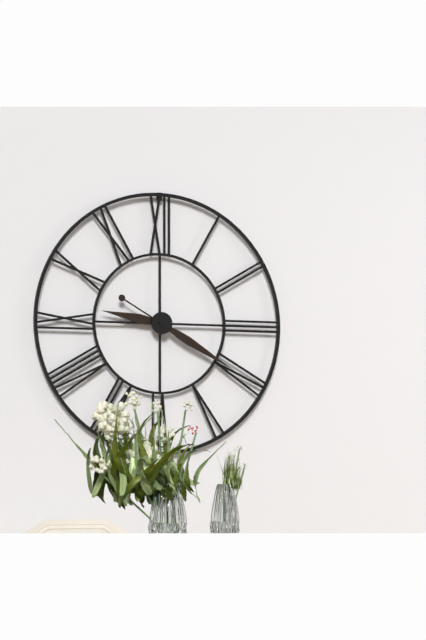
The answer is 9,20
